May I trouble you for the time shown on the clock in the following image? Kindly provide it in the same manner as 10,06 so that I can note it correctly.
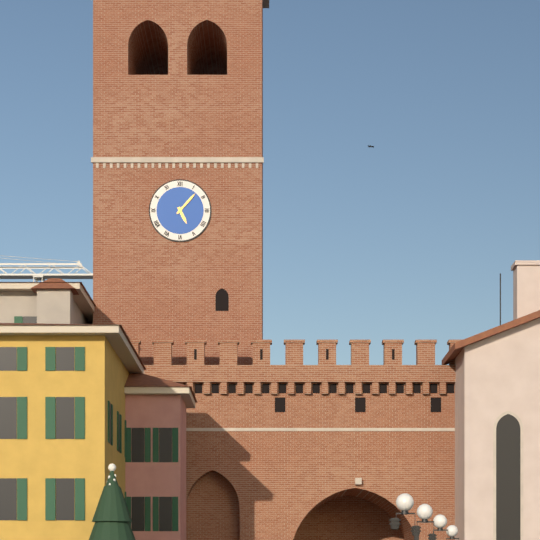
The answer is 5,07
